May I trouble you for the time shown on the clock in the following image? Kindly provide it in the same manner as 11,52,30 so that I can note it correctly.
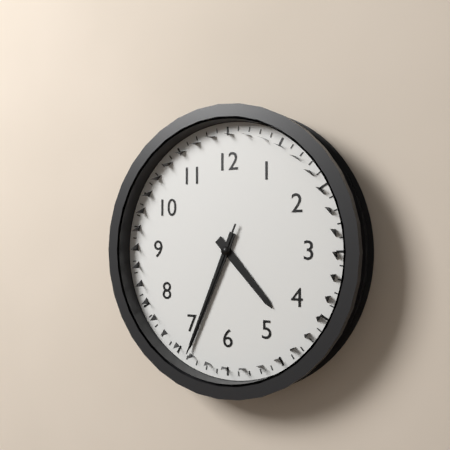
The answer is 4,34,34
